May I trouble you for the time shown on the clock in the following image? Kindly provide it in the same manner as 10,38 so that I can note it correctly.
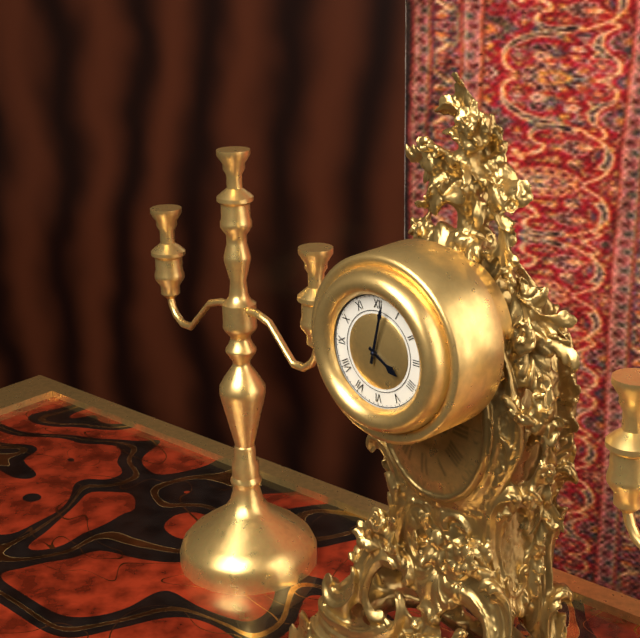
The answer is 4,02
